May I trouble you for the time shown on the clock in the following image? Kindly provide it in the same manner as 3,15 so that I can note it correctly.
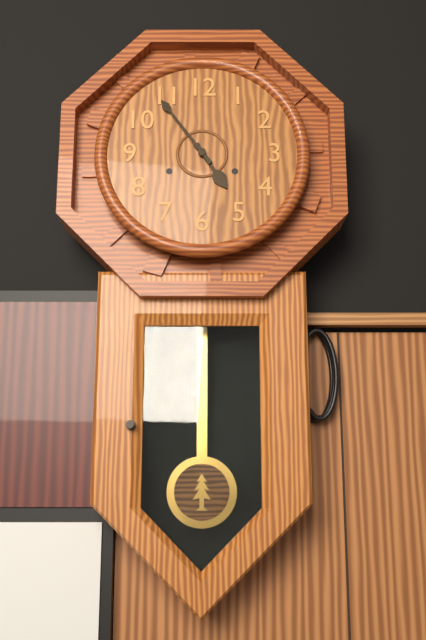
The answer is 4,54
